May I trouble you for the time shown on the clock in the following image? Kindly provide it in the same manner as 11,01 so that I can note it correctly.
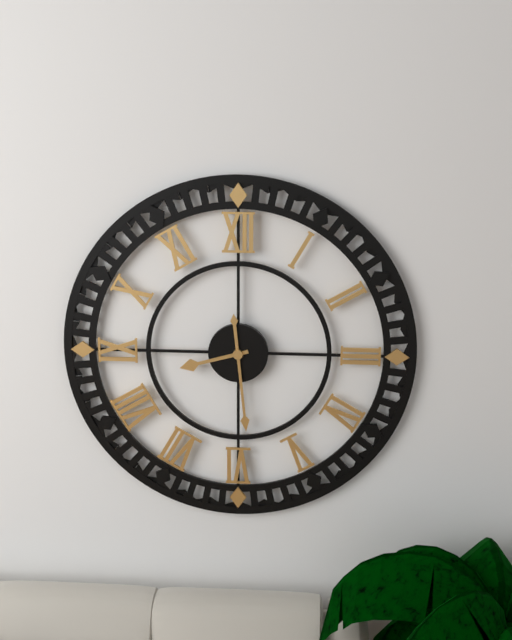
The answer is 8,29
